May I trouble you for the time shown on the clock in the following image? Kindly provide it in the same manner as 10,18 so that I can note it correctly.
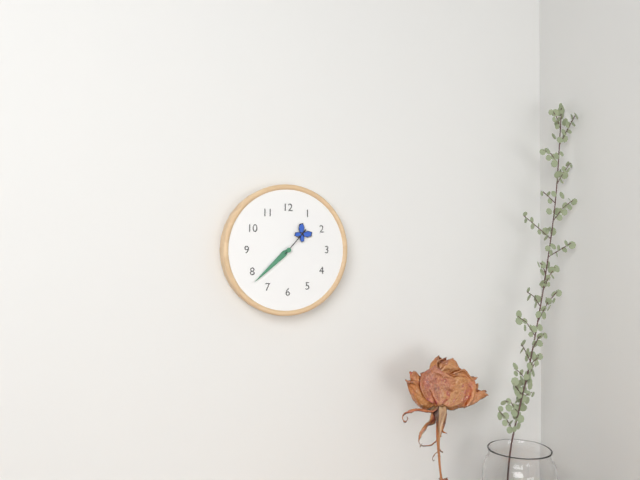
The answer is 7,38
